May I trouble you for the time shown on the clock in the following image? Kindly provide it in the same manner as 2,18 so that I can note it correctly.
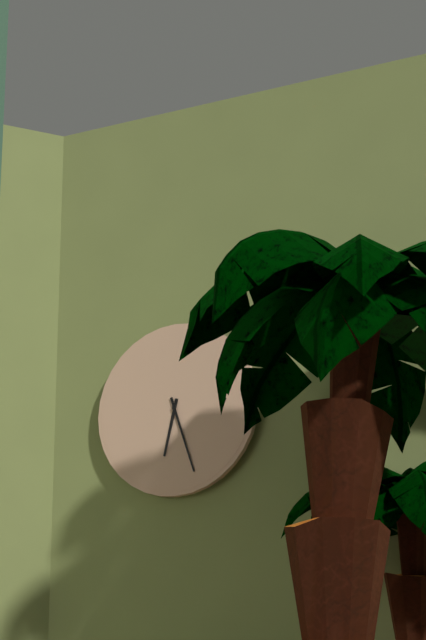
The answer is 6,27
